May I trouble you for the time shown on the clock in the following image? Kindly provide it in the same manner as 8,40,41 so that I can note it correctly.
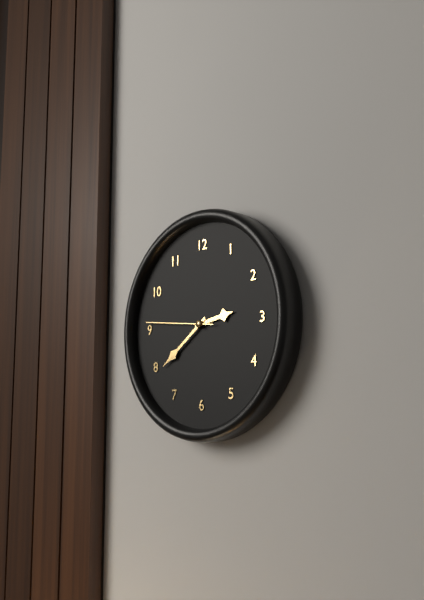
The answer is 2,39,46
